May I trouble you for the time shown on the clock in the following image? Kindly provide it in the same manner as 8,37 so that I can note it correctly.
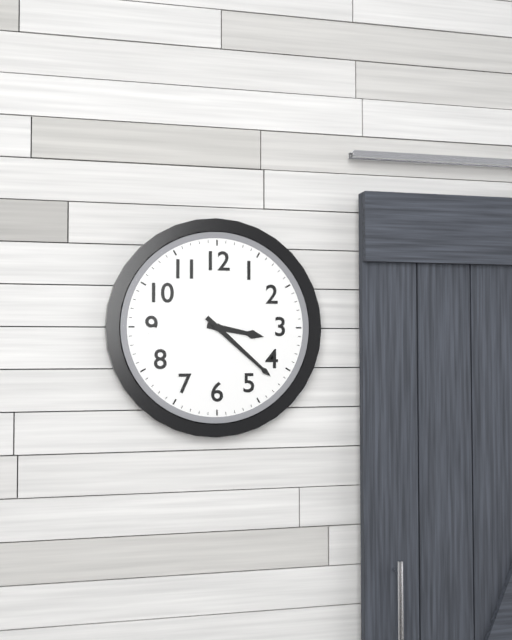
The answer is 3,22
